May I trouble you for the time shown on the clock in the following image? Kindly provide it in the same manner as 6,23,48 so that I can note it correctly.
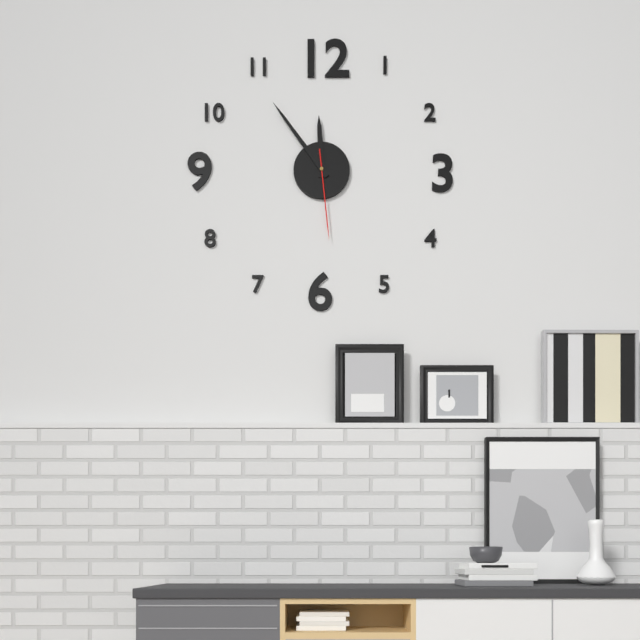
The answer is 11,54,29
